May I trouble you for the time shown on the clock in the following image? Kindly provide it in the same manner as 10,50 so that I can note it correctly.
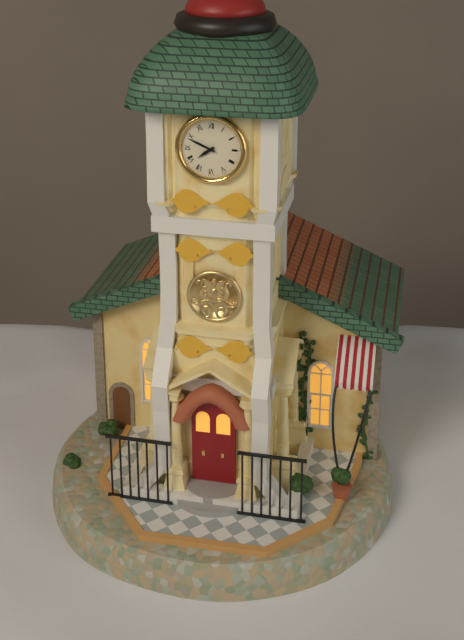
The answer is 7,49
